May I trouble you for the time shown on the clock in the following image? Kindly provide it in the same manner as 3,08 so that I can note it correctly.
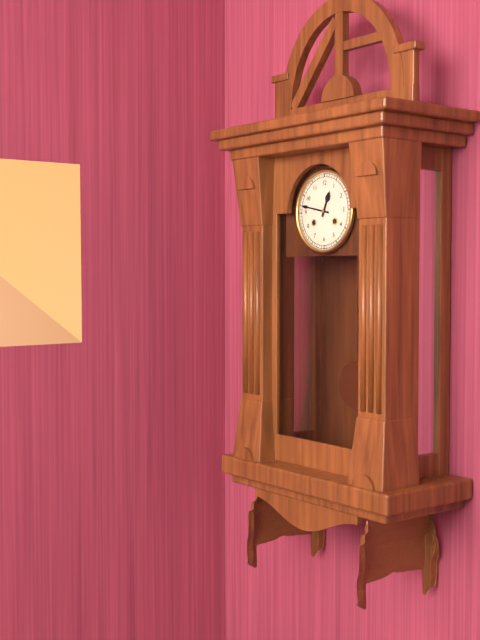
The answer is 12,47
